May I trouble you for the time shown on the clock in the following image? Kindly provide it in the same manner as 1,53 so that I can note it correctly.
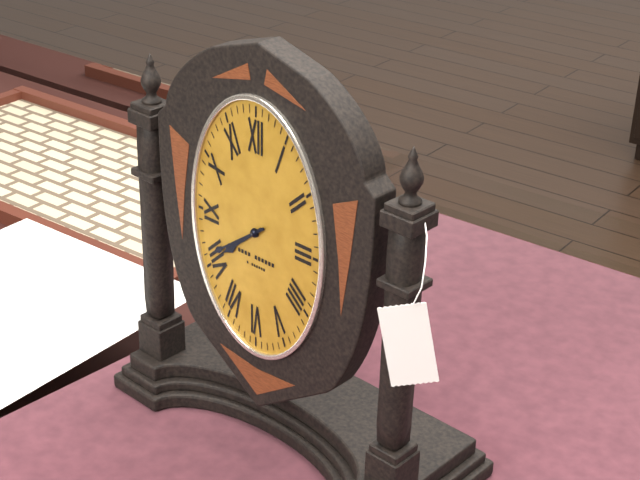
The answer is 7,39
